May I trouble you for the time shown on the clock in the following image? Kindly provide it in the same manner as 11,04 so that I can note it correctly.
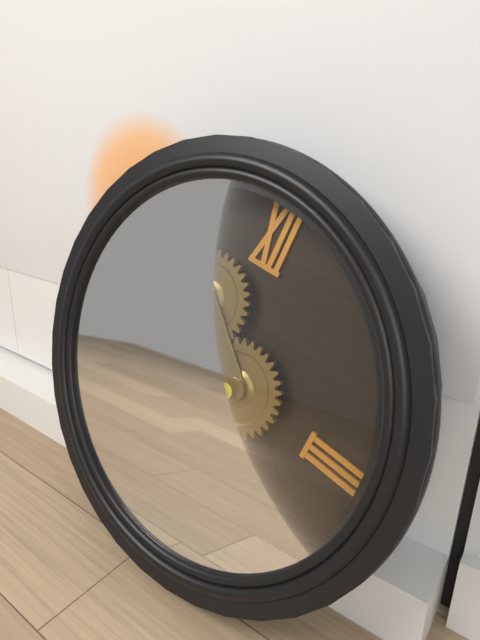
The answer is 8,50
